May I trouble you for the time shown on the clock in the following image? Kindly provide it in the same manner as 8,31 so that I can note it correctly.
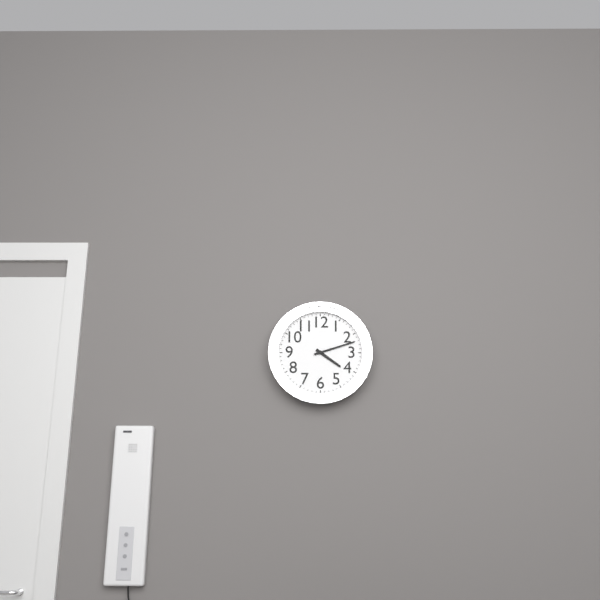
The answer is 4,12
